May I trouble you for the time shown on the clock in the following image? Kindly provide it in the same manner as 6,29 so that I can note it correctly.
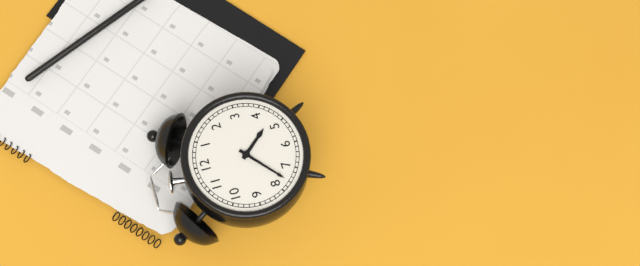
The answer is 4,38
